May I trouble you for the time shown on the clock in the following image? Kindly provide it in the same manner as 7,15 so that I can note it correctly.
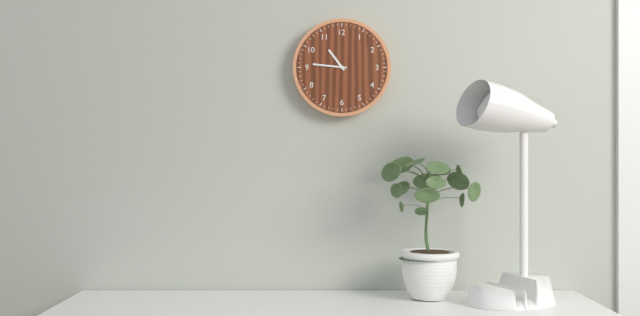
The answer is 10,46
